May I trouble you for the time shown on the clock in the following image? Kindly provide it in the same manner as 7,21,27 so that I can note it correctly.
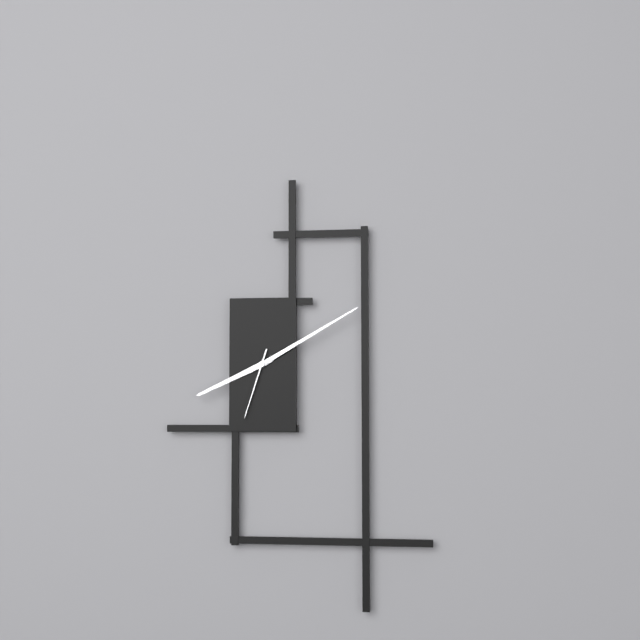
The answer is 8,10,33
